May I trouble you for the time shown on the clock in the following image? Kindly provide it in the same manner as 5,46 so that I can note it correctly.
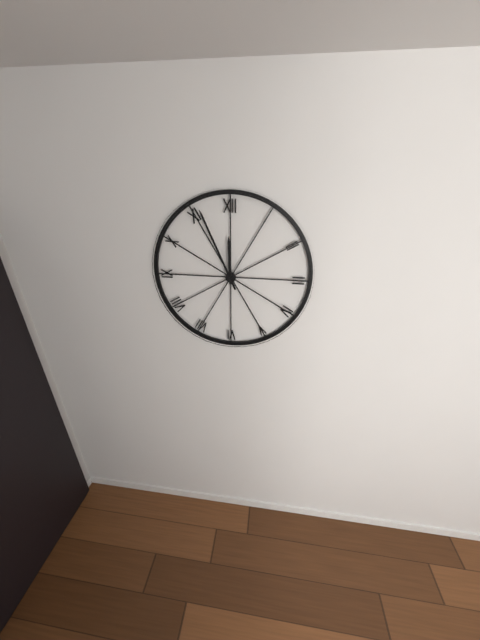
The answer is 11,56
